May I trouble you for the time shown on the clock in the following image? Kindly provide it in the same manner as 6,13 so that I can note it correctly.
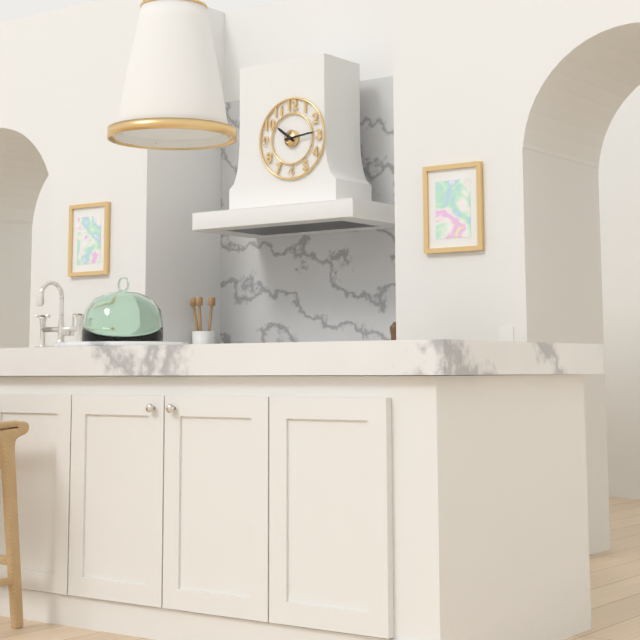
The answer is 10,14
